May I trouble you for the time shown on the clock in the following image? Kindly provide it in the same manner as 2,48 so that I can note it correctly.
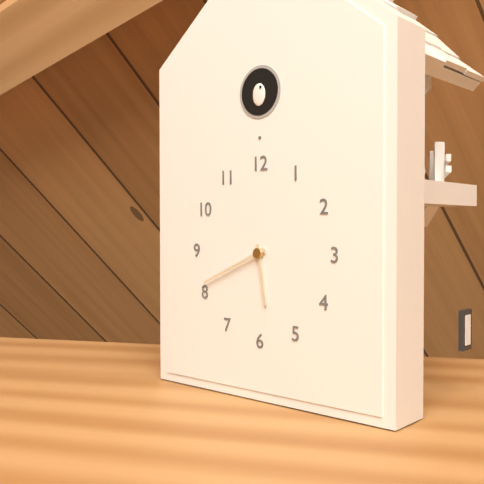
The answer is 5,41
